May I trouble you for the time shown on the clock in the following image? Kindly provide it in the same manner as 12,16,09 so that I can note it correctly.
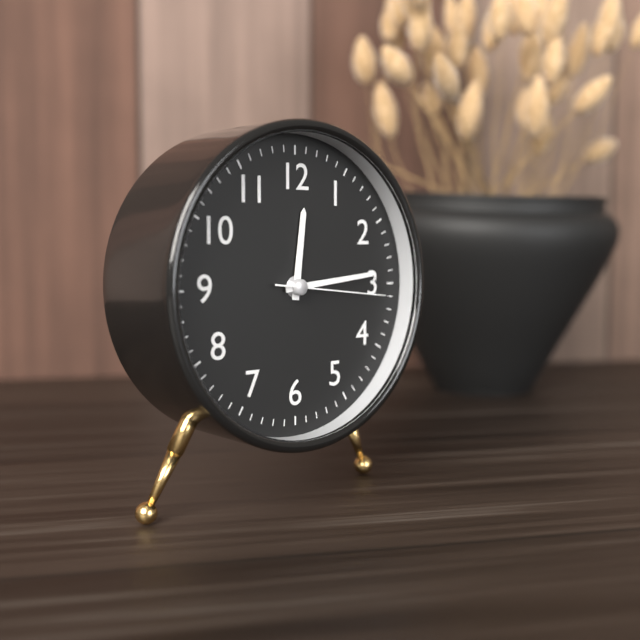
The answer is 12,14,16
